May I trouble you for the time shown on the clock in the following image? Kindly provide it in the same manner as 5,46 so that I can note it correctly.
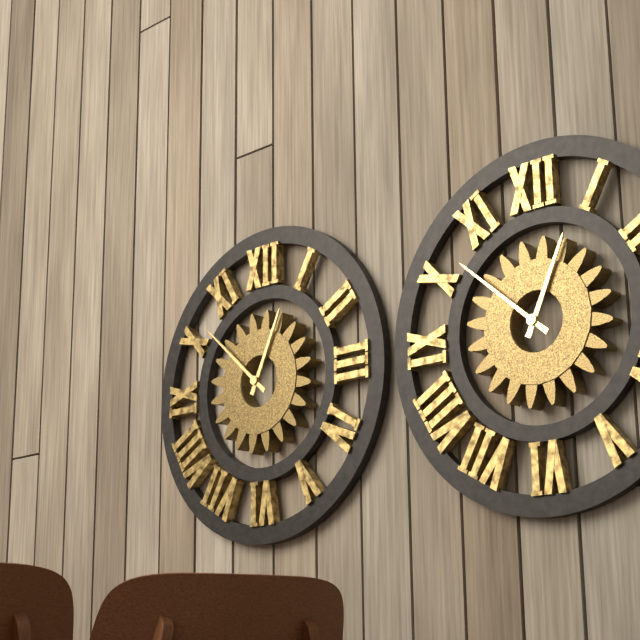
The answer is 12,52
